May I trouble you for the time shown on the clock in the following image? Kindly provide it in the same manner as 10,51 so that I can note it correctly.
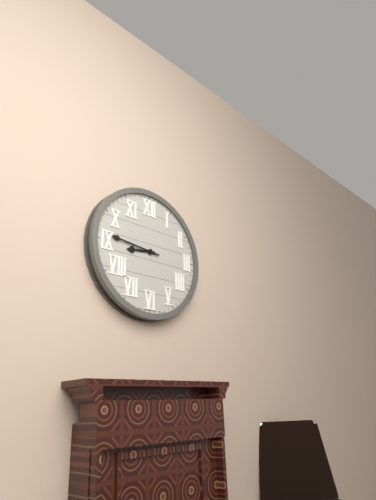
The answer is 8,46
